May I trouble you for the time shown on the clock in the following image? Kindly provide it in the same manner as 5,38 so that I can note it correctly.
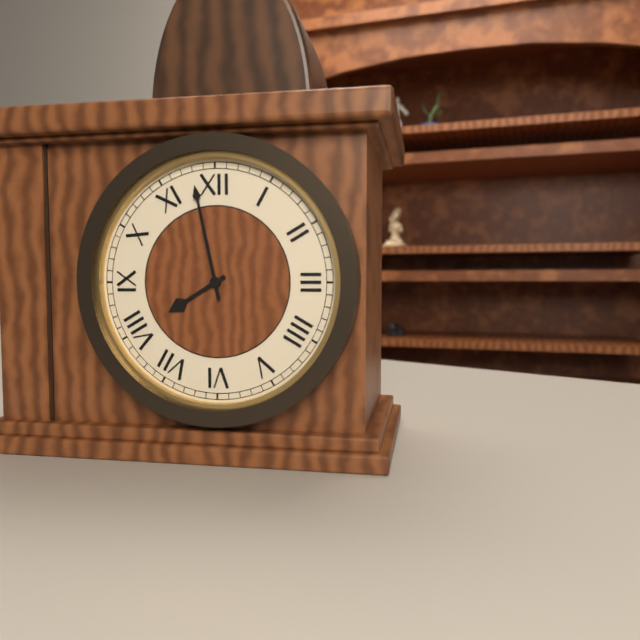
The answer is 7,58
